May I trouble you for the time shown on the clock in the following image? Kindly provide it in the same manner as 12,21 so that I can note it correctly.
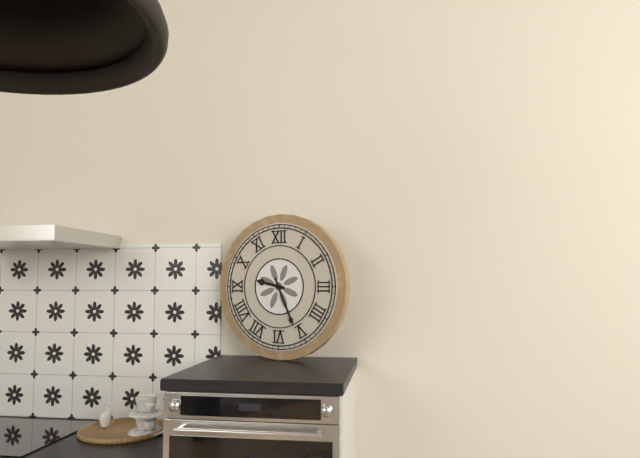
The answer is 9,26
